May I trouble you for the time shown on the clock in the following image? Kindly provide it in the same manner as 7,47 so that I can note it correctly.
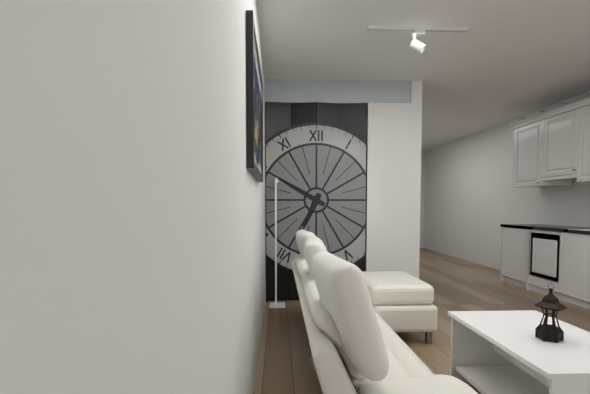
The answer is 6,50
